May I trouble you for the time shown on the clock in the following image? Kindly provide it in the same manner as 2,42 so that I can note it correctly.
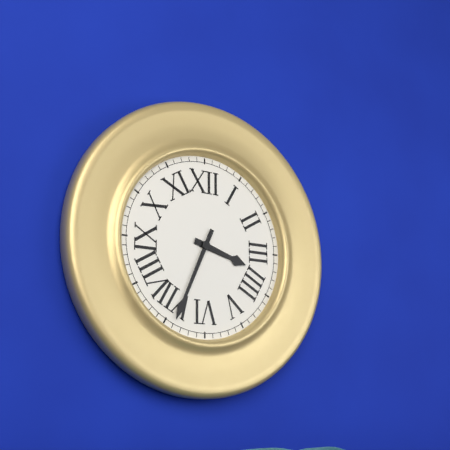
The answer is 3,34
